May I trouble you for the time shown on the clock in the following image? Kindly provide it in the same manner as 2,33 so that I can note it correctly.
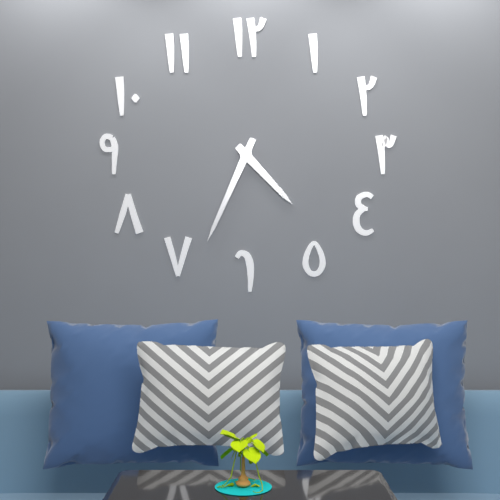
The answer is 4,34
